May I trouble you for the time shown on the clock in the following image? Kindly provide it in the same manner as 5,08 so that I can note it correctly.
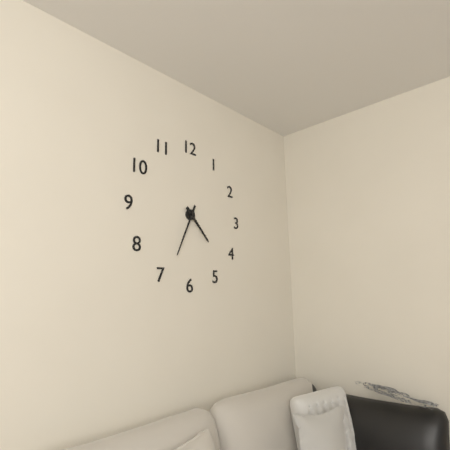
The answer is 4,34
